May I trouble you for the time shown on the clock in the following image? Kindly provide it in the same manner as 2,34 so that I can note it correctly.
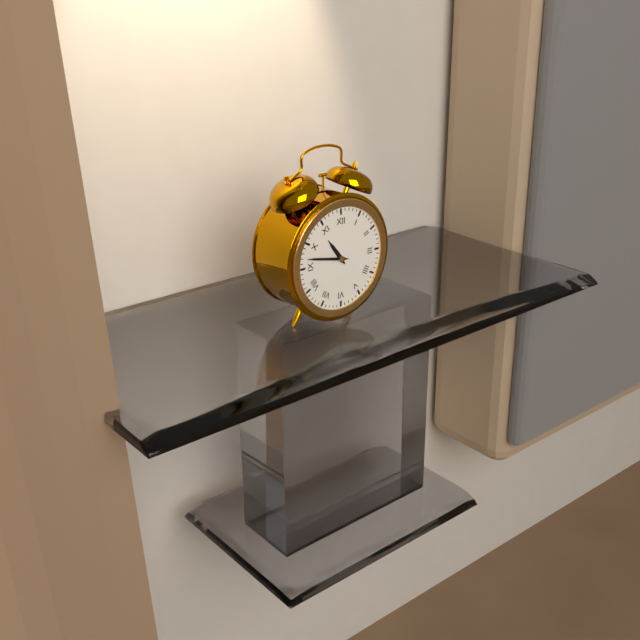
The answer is 10,47
